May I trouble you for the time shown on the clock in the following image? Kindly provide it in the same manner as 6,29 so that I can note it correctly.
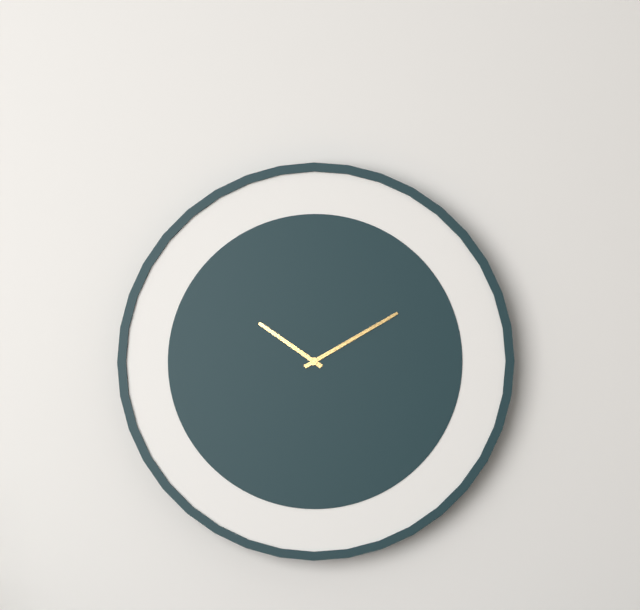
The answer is 10,10
